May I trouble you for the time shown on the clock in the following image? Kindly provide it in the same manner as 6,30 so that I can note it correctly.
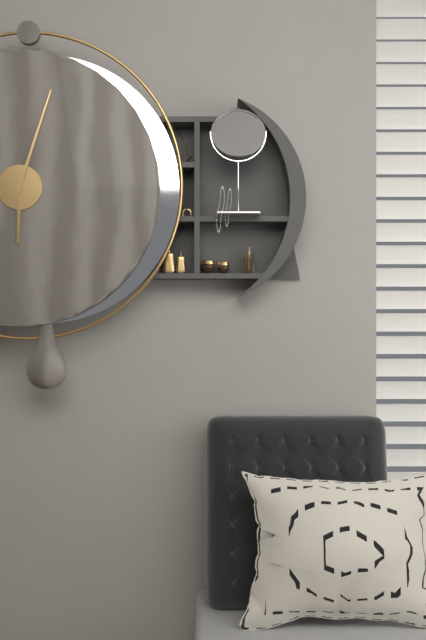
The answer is 6,03
